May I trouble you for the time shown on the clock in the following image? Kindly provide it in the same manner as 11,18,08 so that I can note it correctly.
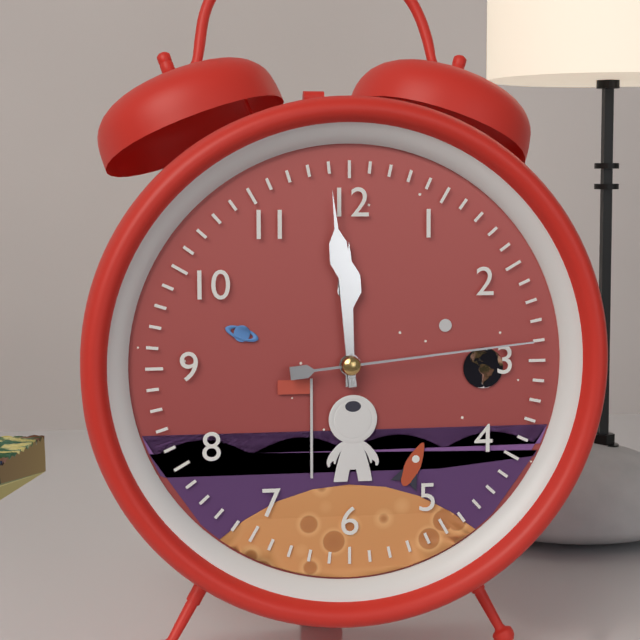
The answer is 11,59,14
